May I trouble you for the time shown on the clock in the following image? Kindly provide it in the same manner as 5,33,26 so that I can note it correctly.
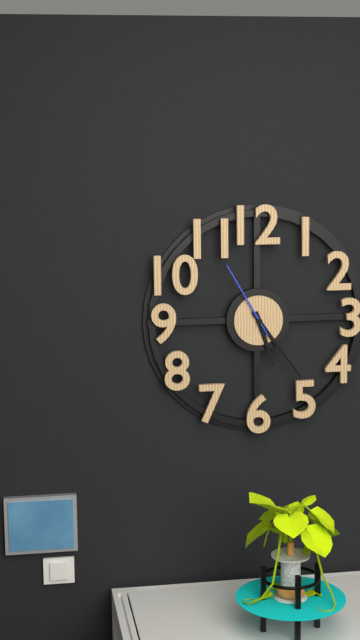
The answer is 5,24,55
